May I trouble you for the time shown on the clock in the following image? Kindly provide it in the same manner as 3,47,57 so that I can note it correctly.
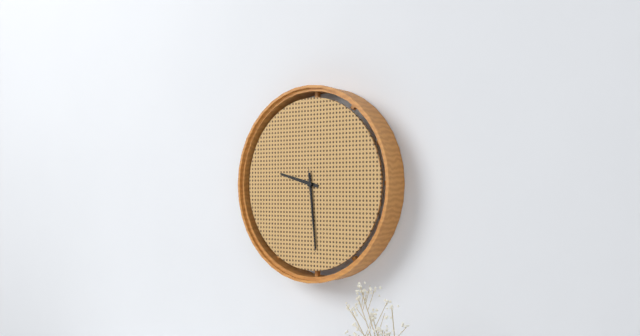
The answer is 9,29,29
